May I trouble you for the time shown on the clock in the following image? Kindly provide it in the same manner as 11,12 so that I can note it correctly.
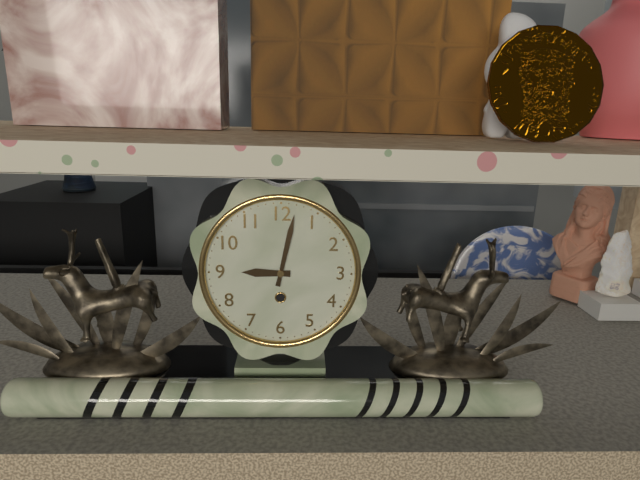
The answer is 9,02
